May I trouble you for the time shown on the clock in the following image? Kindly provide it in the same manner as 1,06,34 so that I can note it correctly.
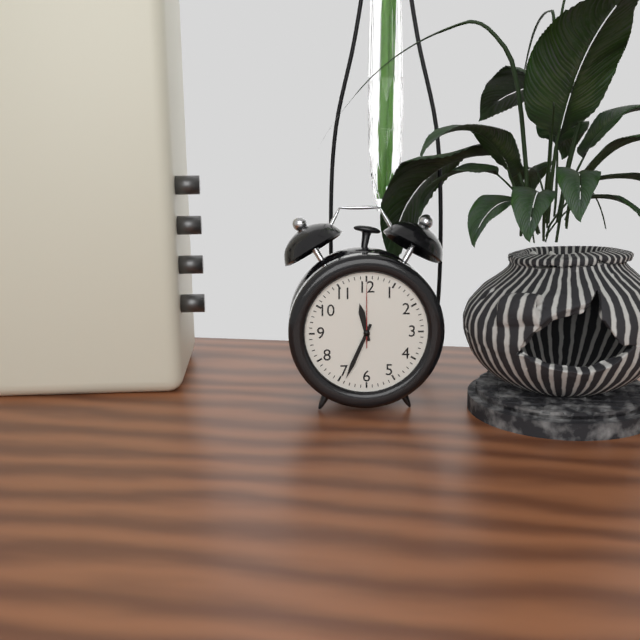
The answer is 11,34,00
